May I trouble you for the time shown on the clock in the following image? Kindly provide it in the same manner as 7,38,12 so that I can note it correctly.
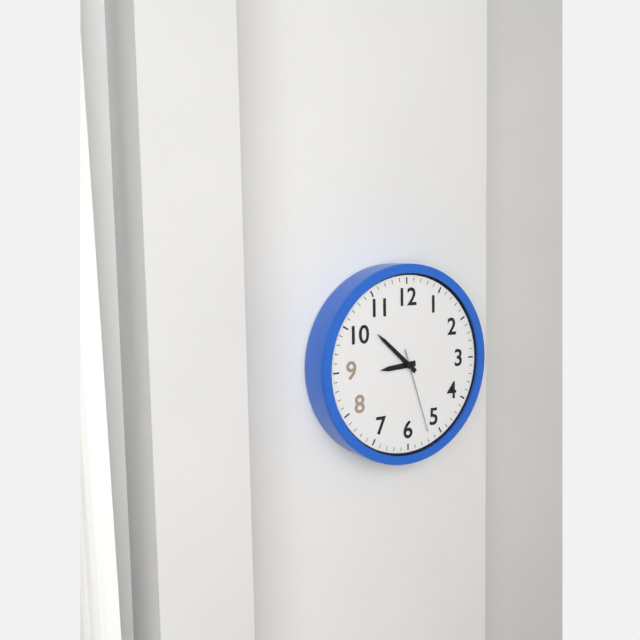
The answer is 8,52,27
